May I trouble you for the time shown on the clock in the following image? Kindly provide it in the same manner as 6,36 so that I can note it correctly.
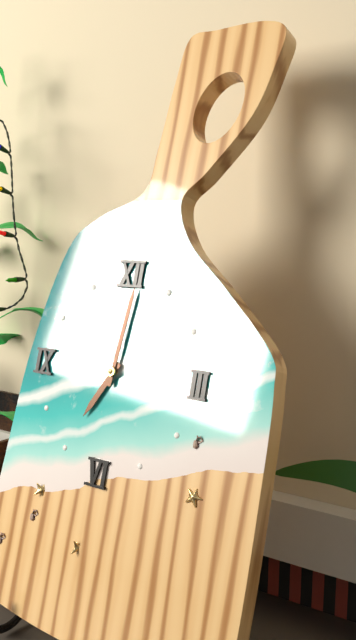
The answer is 7,01
